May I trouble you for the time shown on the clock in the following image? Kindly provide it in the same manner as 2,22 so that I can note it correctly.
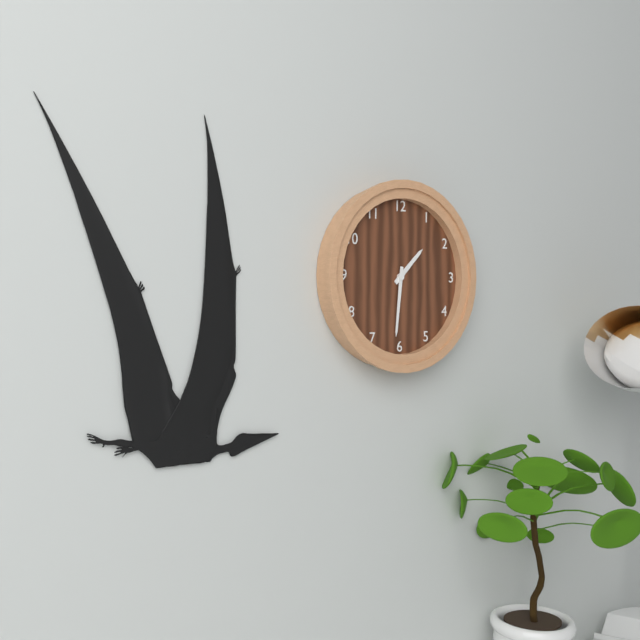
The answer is 1,31
